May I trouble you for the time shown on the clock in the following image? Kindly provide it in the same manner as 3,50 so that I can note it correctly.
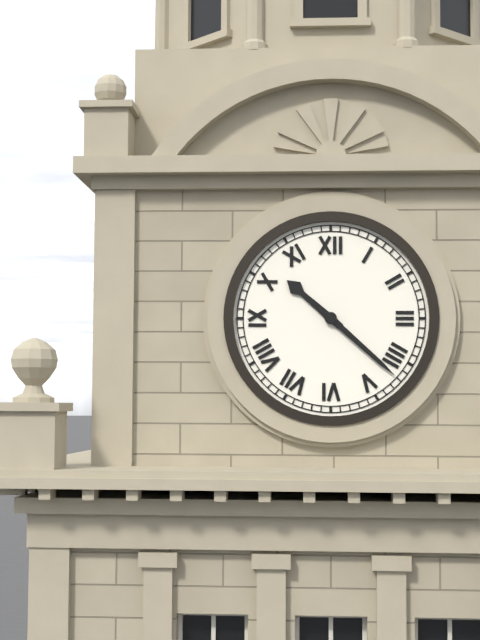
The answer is 10,22
